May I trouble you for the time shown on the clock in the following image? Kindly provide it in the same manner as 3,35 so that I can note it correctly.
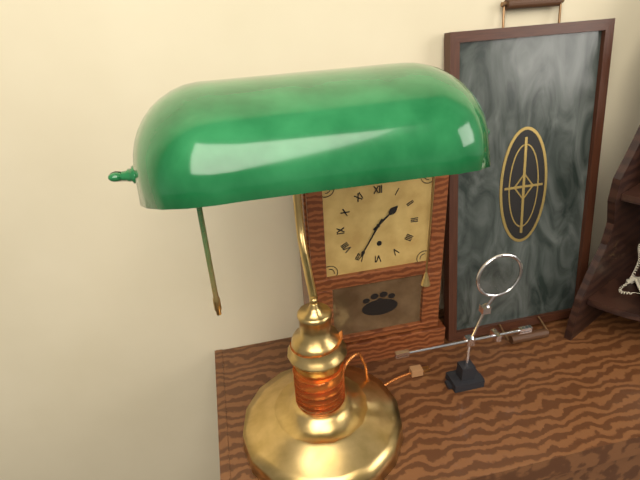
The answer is 1,35
